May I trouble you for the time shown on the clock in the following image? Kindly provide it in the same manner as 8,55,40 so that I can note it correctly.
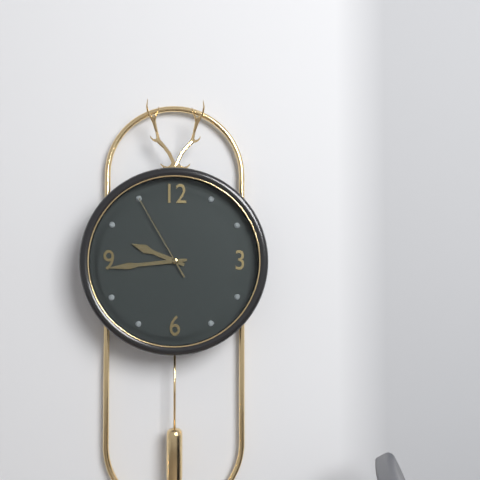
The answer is 9,44,55
